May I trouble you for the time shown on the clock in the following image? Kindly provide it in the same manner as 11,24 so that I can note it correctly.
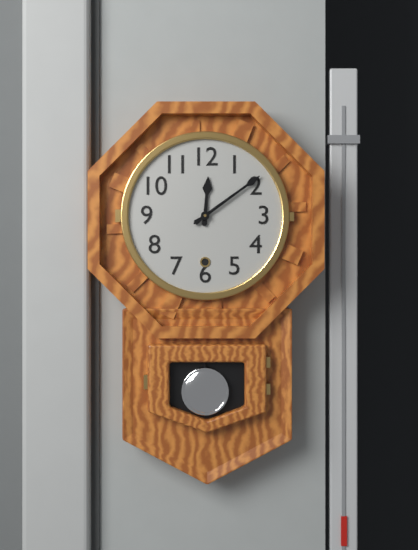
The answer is 12,09
